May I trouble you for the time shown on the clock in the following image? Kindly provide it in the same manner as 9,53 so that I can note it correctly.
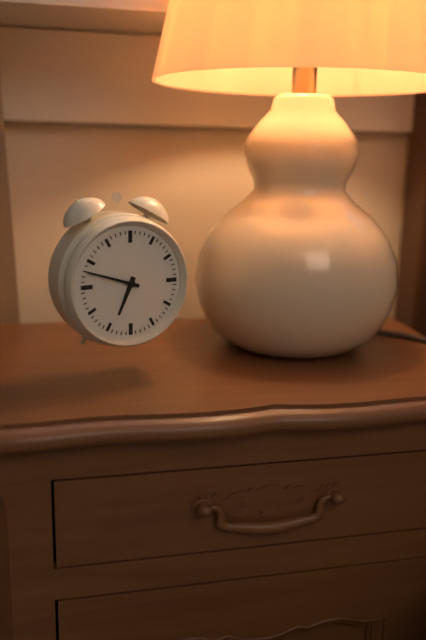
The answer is 6,48
